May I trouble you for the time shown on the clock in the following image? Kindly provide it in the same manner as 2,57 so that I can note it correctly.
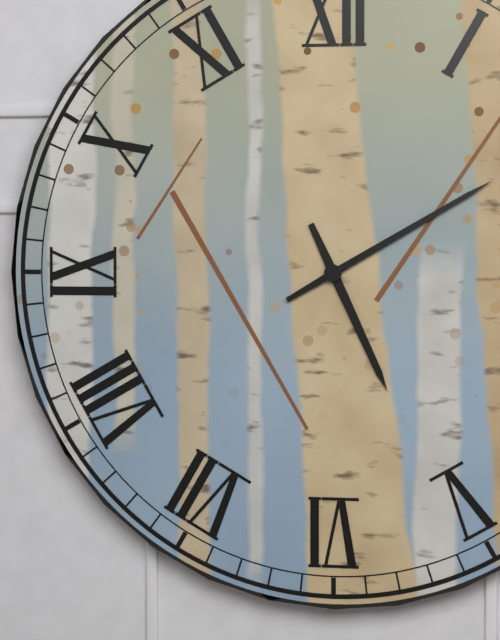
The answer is 5,10
